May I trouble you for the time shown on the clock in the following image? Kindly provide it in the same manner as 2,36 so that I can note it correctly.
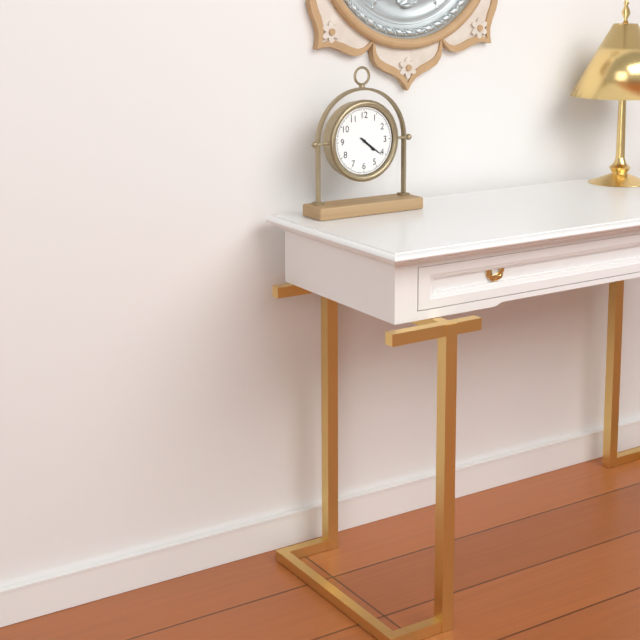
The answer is 4,21
